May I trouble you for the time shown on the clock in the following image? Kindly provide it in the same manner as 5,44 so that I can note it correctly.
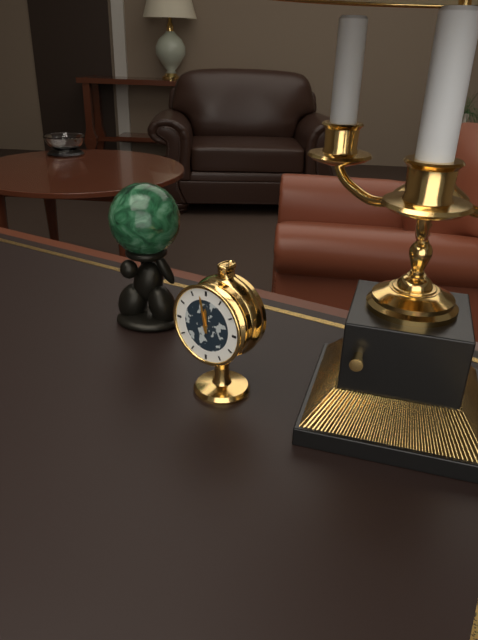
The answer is 11,58
